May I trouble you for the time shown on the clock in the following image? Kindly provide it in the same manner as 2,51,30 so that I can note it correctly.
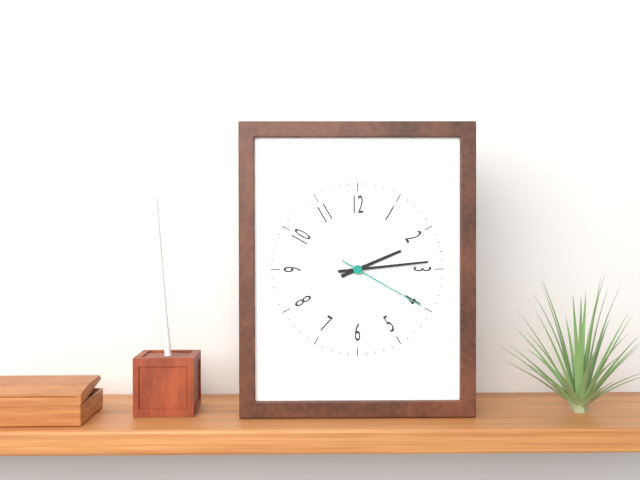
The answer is 2,14,20
